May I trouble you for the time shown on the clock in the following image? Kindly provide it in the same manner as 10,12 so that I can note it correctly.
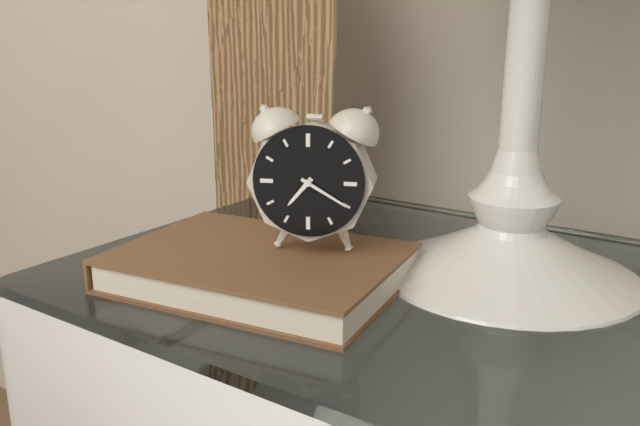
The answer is 7,20
